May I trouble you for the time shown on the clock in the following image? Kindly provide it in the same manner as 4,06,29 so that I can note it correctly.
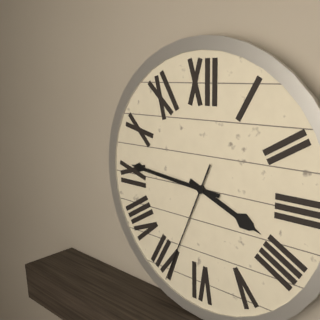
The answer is 3,46,34
